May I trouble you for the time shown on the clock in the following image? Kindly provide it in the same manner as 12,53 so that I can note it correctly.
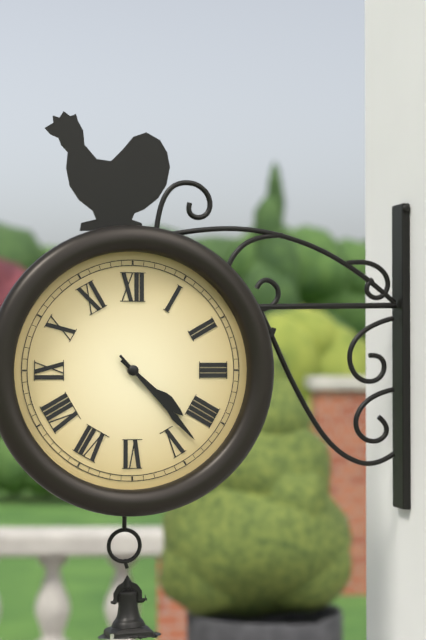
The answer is 4,23
